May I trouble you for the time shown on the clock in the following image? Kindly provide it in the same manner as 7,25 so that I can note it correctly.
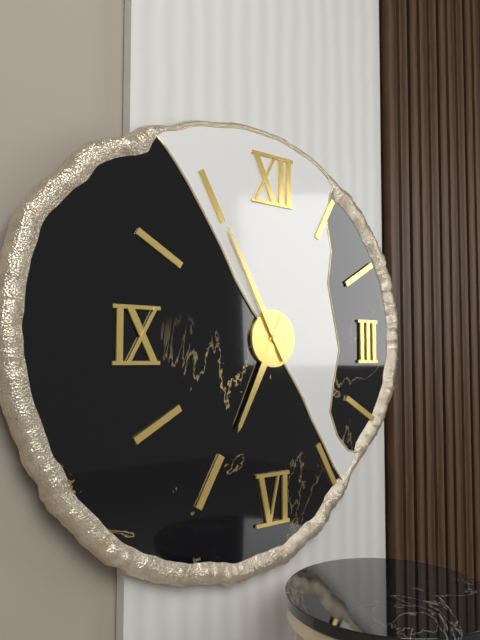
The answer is 6,55
